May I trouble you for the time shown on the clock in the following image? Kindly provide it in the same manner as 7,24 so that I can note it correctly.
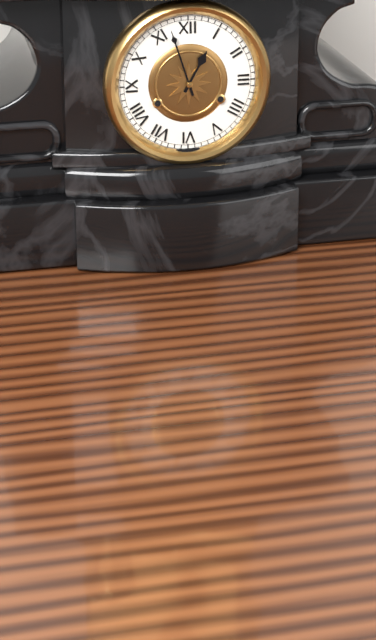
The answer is 12,57
